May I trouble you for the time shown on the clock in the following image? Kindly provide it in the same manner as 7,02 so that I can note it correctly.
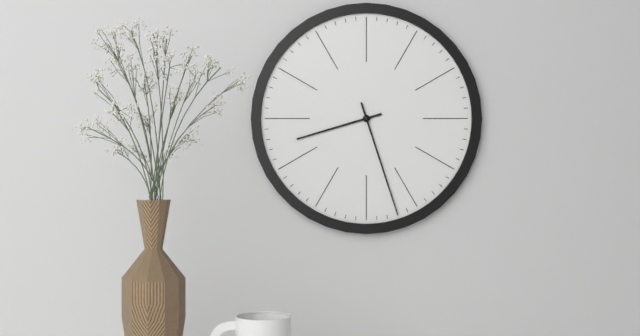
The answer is 8,27
